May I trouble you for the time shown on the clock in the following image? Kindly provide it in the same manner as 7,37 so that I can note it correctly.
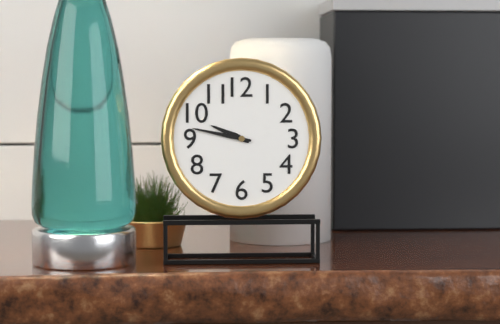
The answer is 9,47
